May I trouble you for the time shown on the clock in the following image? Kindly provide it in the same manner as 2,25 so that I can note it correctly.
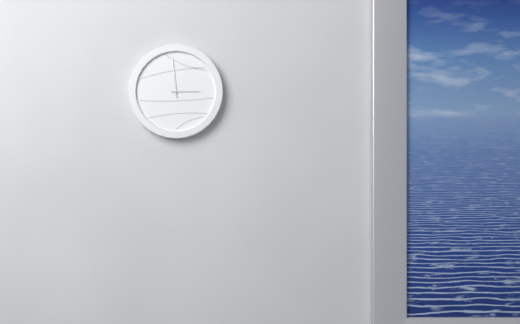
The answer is 2,59
